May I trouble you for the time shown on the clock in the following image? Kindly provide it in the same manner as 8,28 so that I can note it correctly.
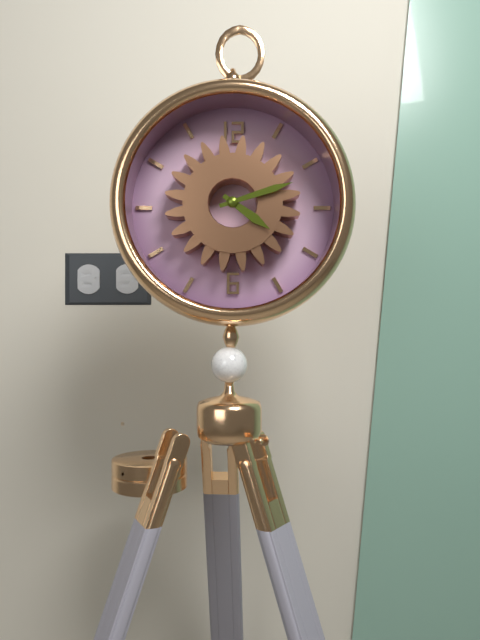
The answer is 4,12
